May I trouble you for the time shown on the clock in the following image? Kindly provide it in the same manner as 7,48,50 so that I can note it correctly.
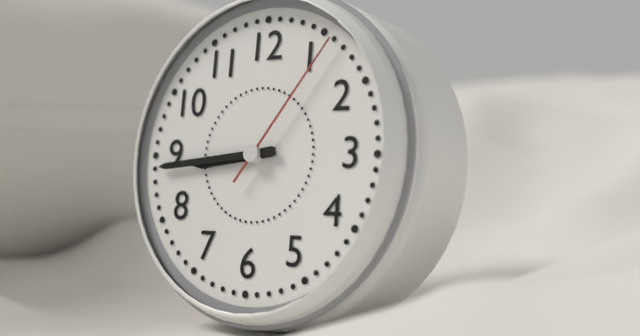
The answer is 8,44,06
